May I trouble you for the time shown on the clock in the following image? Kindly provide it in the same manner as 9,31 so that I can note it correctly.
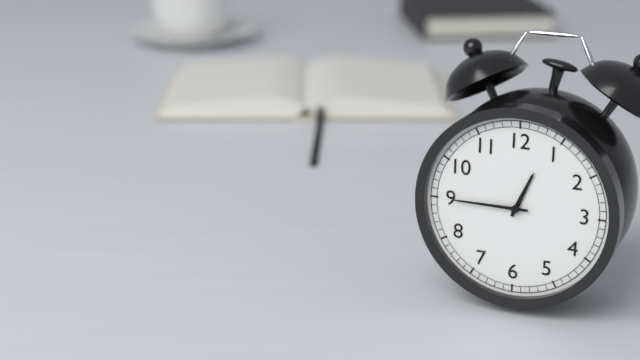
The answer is 12,45
